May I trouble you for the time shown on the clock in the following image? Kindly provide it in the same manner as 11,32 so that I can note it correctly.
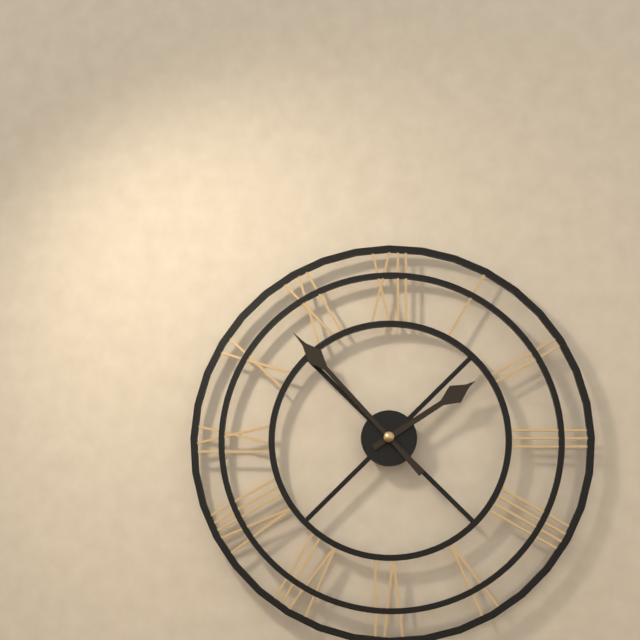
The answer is 1,53
